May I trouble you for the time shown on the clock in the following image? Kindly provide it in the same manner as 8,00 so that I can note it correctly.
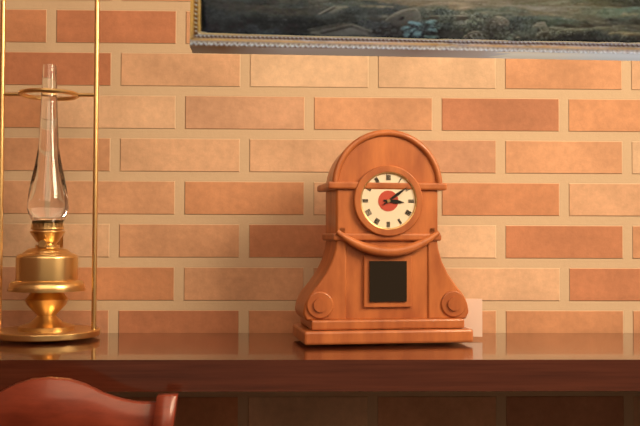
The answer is 3,09
